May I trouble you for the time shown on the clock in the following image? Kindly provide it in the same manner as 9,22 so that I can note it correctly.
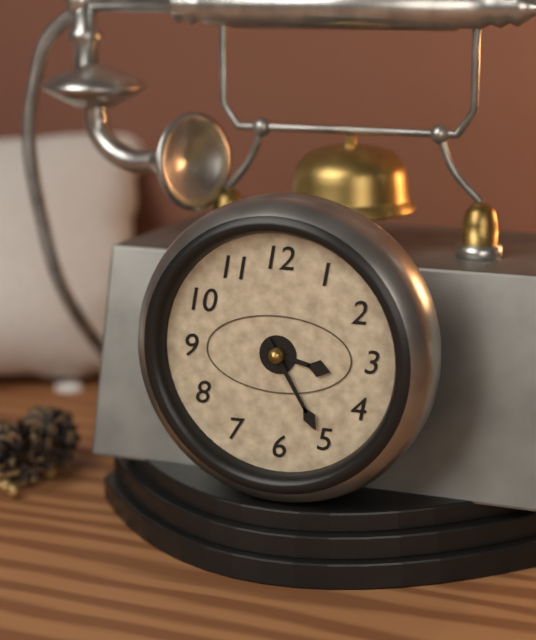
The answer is 3,25
